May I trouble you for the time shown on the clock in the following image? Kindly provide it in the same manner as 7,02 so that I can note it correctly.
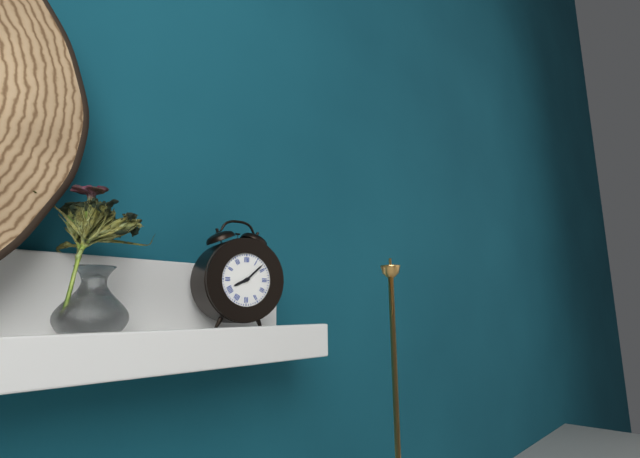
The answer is 8,08
